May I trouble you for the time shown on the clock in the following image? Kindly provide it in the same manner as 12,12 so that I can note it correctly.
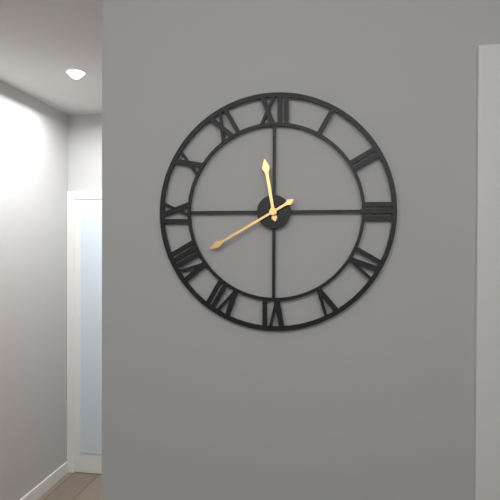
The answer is 11,40
